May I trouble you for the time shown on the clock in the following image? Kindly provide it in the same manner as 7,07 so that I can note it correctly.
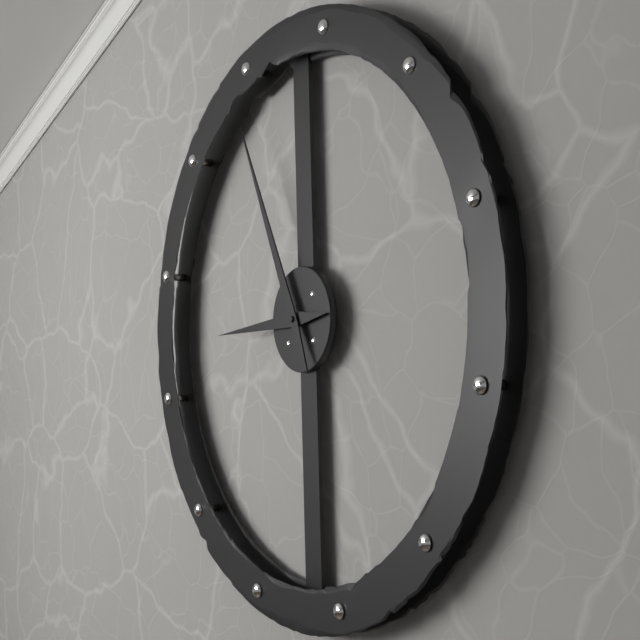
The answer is 8,56
